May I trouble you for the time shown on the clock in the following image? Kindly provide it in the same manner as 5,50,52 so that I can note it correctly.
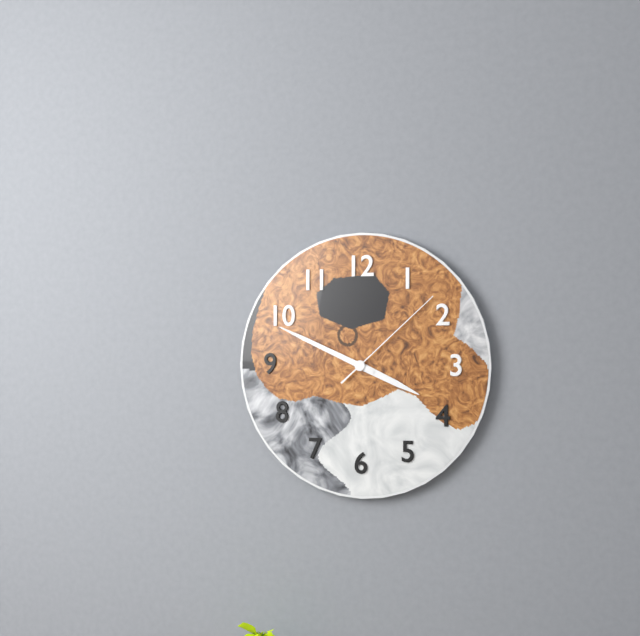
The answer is 3,49,08
